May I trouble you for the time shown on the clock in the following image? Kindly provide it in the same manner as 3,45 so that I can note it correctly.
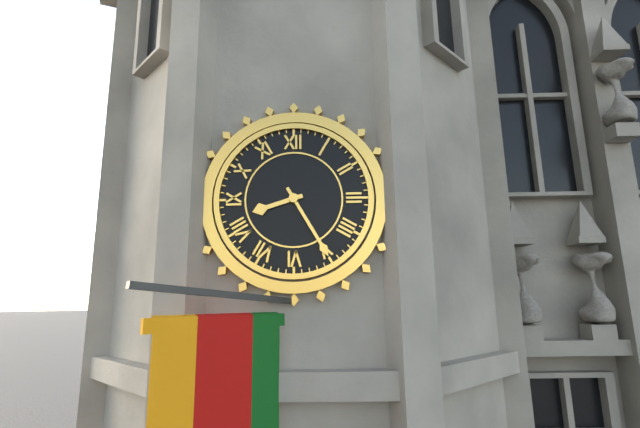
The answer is 8,25
